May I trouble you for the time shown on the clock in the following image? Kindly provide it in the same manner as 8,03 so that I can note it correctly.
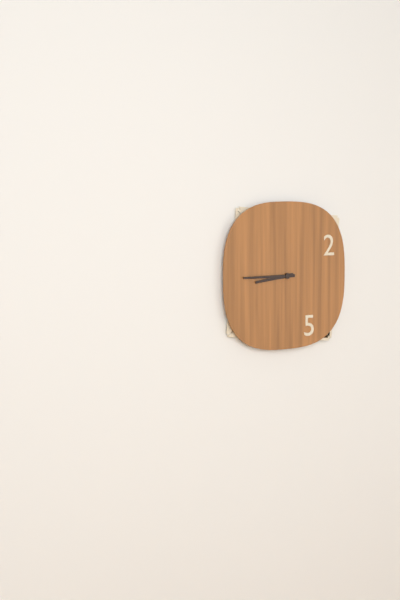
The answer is 8,45
